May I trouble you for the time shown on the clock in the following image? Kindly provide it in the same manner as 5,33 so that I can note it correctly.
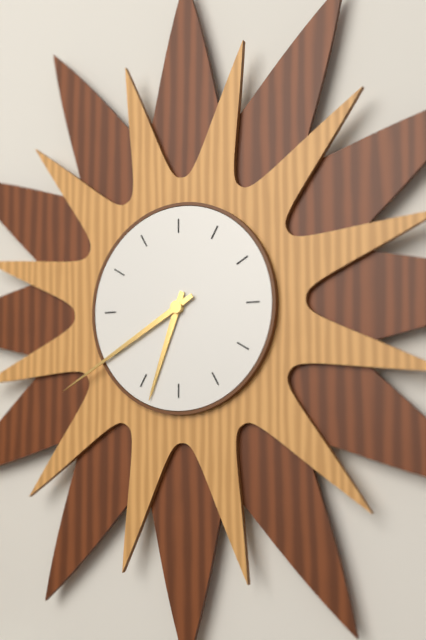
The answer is 6,40
